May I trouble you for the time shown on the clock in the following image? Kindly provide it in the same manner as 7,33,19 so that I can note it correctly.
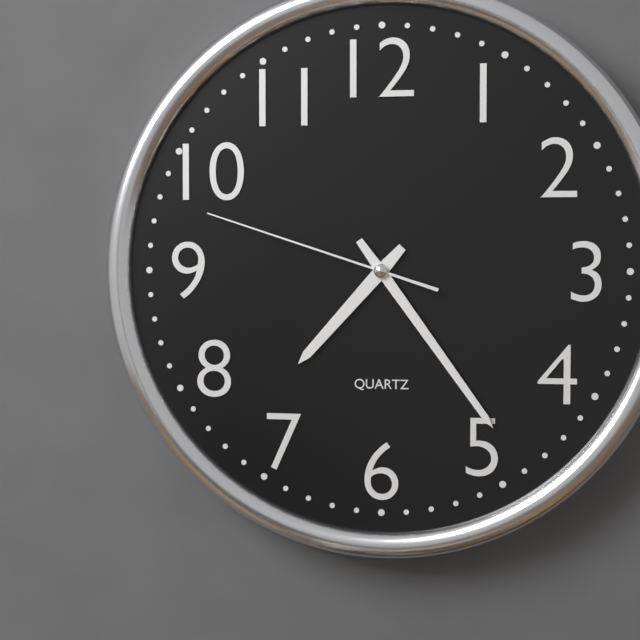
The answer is 7,24,48
